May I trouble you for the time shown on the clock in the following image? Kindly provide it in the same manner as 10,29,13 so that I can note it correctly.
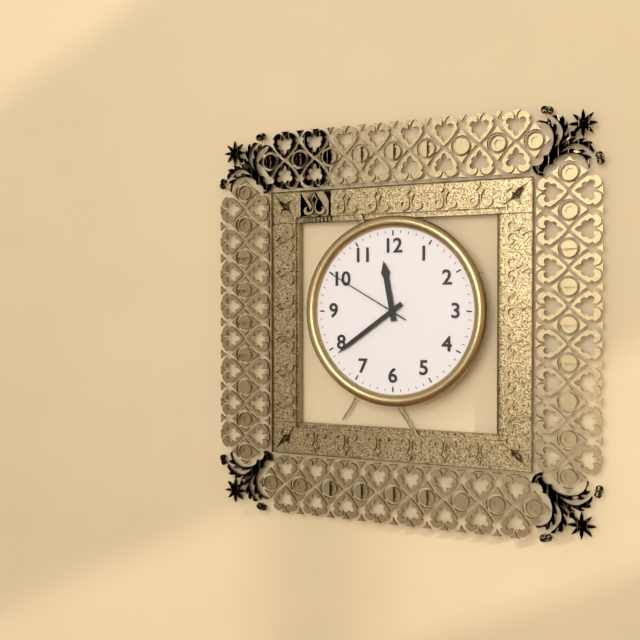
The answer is 11,39,50
